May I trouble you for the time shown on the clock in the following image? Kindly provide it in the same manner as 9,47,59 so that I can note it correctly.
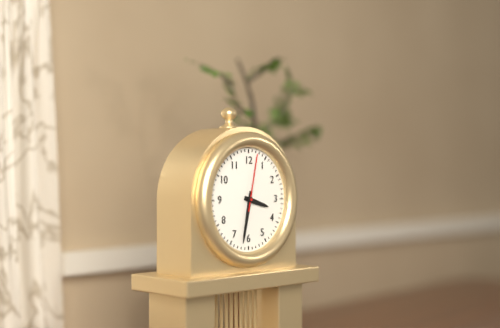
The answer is 3,32,02
